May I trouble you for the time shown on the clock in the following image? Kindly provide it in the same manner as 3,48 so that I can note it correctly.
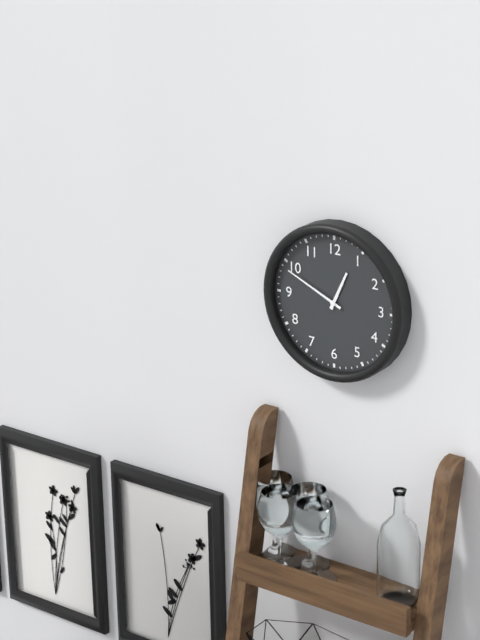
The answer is 12,49
